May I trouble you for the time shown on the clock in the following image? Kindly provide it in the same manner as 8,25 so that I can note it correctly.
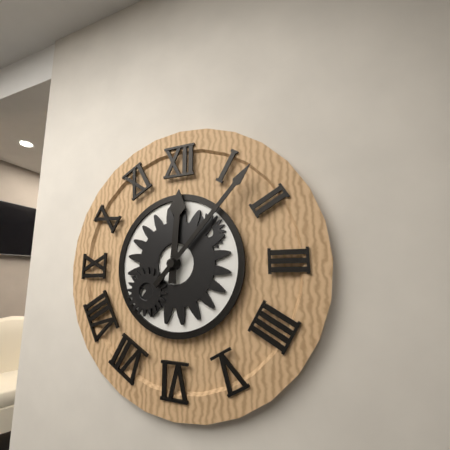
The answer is 12,07
